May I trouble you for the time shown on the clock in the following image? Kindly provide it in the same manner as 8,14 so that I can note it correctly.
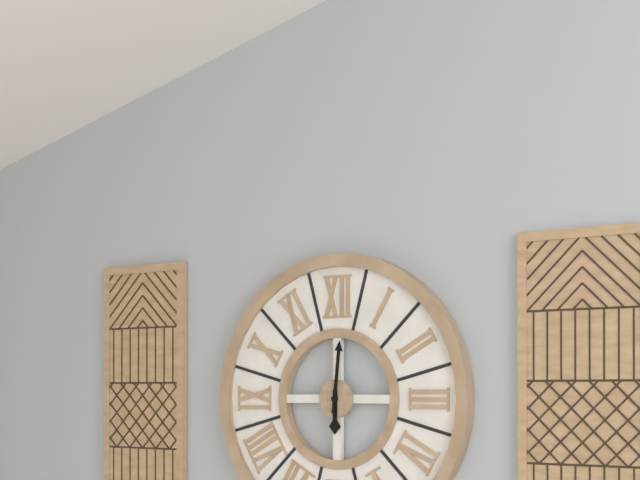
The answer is 6,01
